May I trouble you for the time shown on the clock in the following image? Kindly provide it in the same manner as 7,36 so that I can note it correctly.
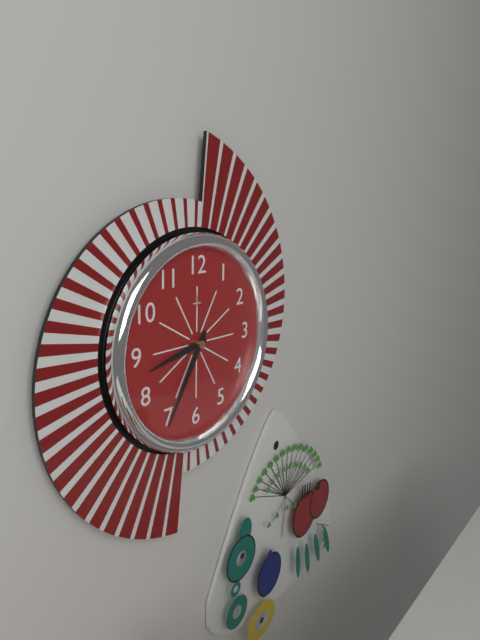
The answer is 8,35
